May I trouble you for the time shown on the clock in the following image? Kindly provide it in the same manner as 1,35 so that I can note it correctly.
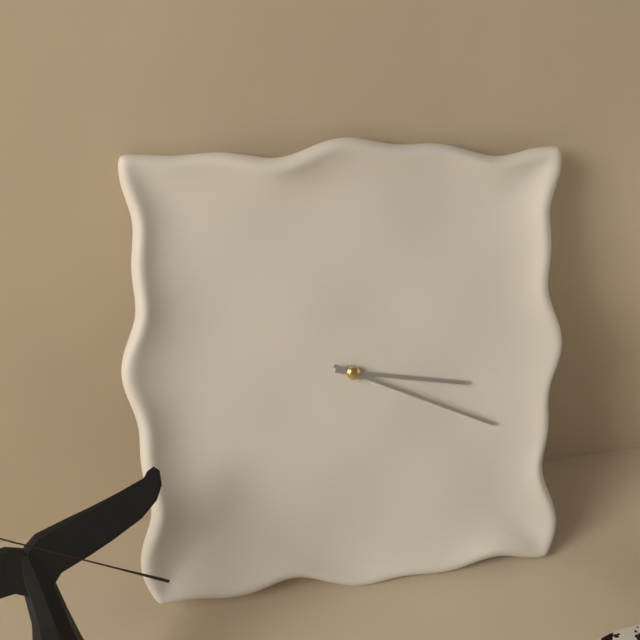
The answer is 3,19
